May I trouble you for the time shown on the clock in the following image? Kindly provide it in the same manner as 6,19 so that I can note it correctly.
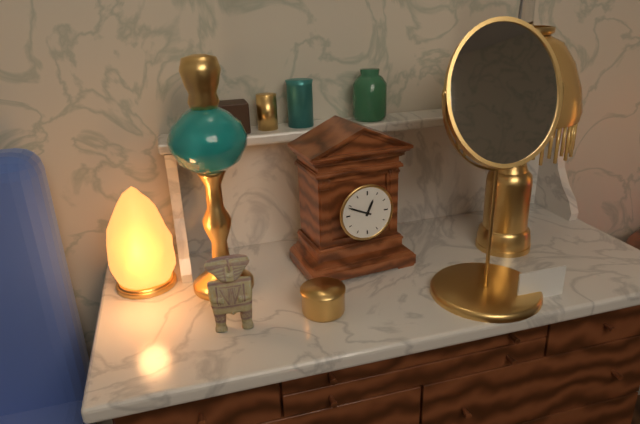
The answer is 12,49
